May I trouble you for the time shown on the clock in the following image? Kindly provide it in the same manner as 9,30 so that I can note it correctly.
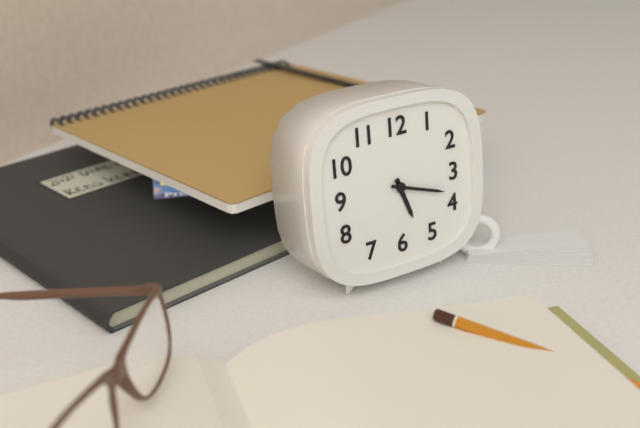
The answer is 5,18
